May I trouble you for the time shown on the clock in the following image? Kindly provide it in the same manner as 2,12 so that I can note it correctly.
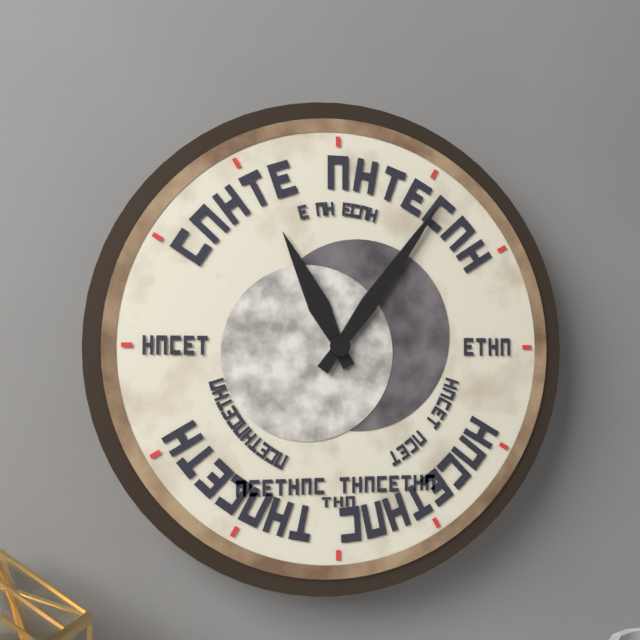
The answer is 11,06
